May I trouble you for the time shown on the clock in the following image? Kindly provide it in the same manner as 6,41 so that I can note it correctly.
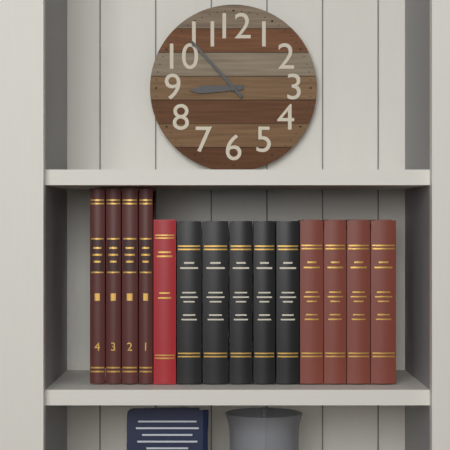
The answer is 8,53
